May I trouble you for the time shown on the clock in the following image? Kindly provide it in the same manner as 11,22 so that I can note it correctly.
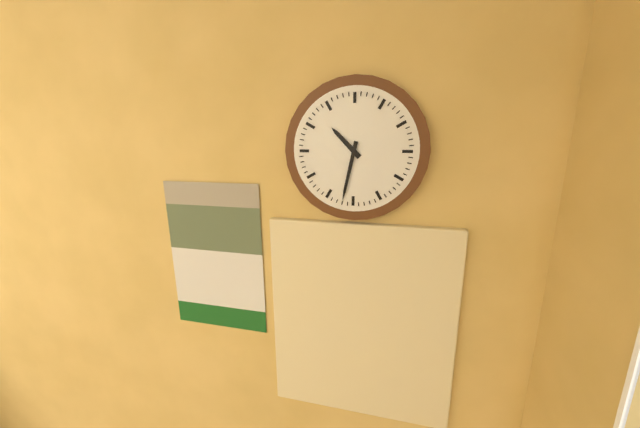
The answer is 10,32
